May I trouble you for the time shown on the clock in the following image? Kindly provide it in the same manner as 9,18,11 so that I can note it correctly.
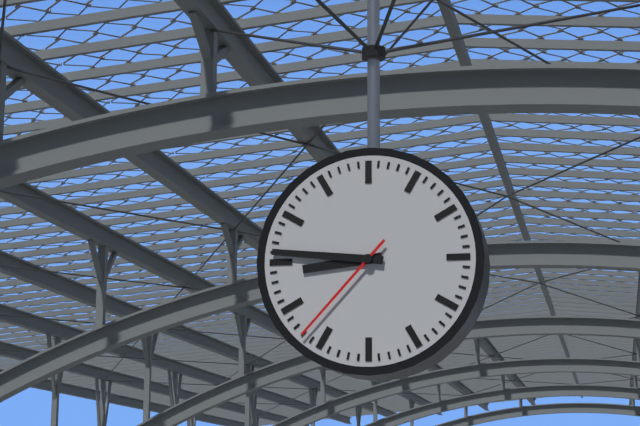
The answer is 8,46,37
